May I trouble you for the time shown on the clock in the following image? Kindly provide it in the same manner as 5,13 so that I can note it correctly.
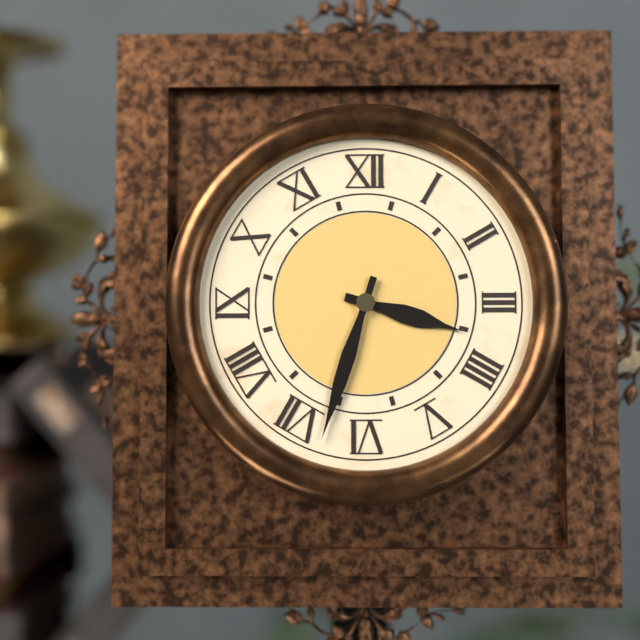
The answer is 3,33
